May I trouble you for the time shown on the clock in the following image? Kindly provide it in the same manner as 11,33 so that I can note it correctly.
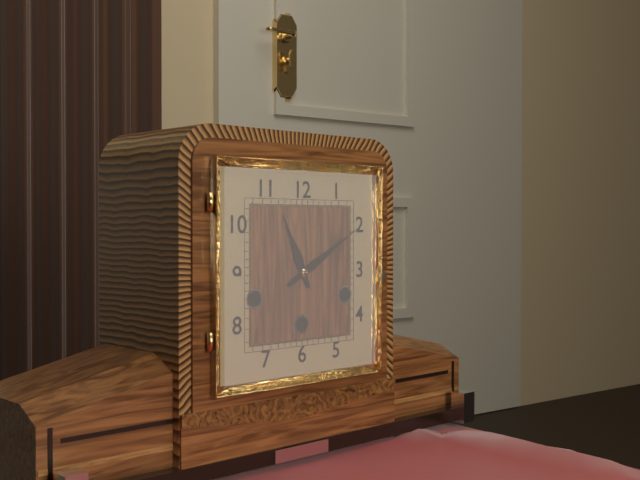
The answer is 11,10
